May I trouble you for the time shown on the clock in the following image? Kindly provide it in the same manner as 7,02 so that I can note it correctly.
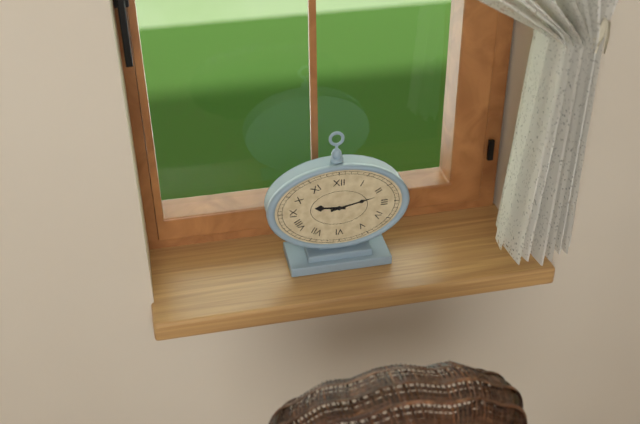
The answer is 9,13
